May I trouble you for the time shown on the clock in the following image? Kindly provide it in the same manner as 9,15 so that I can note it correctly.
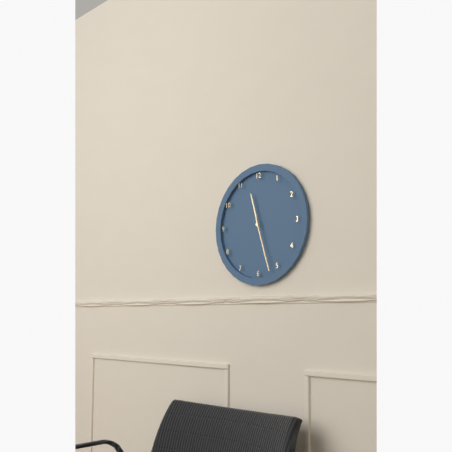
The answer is 11,27
